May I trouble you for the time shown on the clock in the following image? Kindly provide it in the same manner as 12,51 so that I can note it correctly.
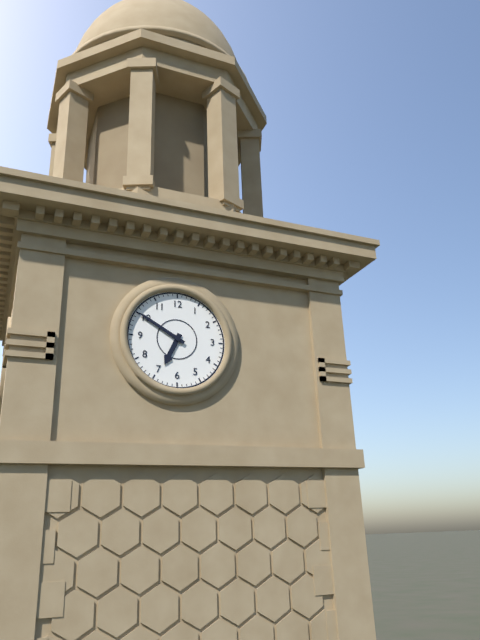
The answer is 6,50
